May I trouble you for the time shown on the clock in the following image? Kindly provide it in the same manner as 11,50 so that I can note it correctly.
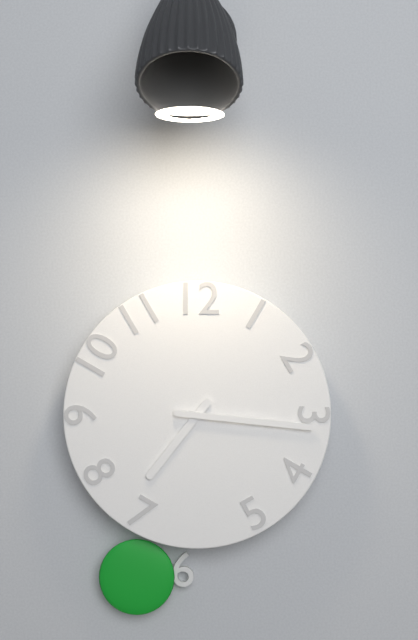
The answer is 7,16
